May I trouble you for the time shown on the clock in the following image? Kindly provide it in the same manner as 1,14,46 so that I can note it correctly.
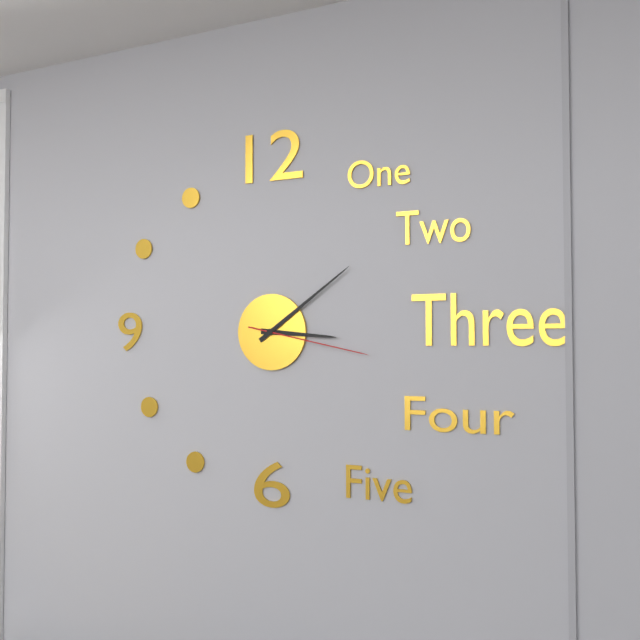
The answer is 3,09,17
